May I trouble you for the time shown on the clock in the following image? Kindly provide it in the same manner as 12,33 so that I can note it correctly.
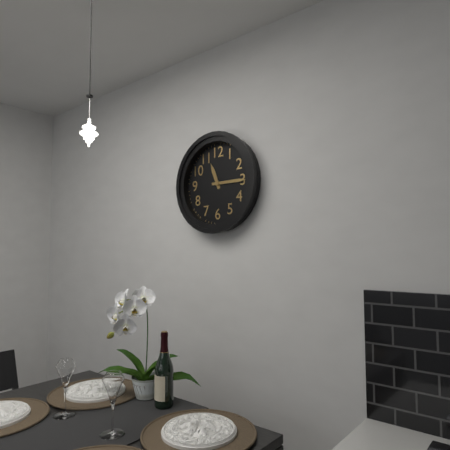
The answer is 11,15
